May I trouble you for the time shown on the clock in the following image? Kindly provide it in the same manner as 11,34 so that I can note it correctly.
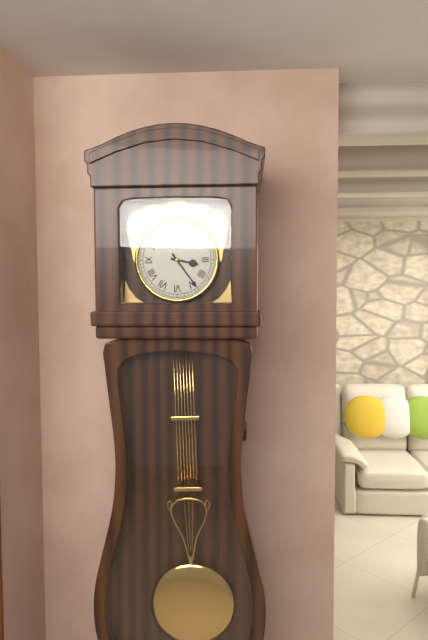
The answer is 3,24
